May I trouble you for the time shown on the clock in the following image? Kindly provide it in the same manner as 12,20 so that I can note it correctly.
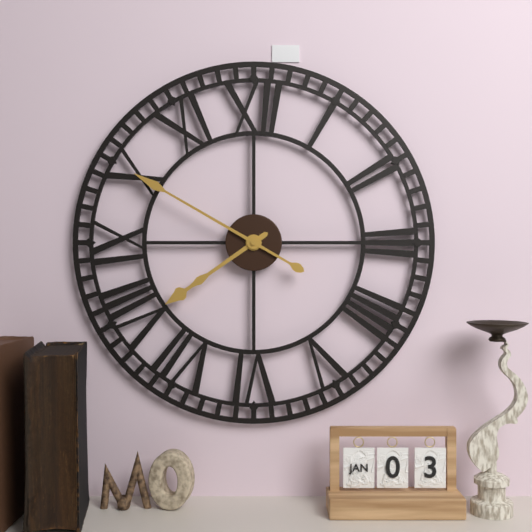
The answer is 7,50
